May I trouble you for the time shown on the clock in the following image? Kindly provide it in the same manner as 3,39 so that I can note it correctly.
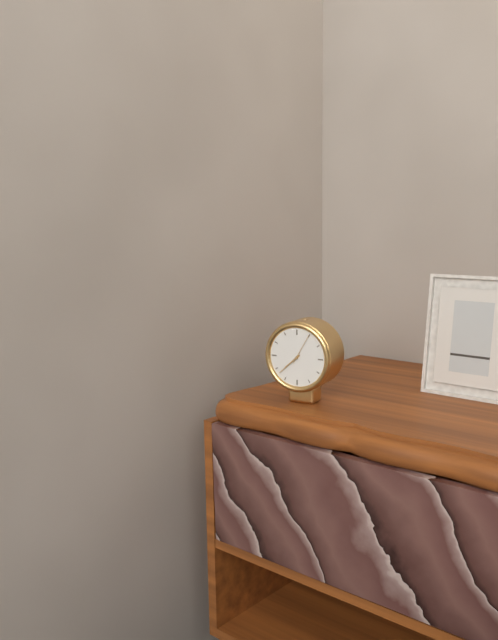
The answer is 7,38
